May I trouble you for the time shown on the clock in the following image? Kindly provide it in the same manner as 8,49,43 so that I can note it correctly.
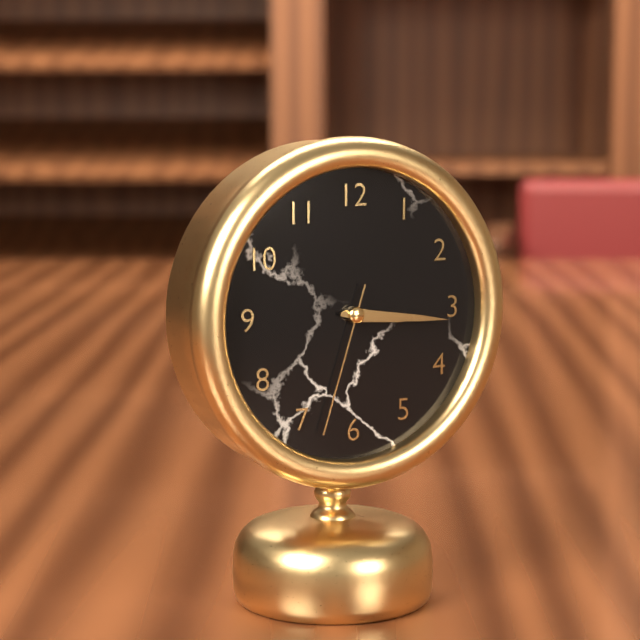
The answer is 3,16,33
